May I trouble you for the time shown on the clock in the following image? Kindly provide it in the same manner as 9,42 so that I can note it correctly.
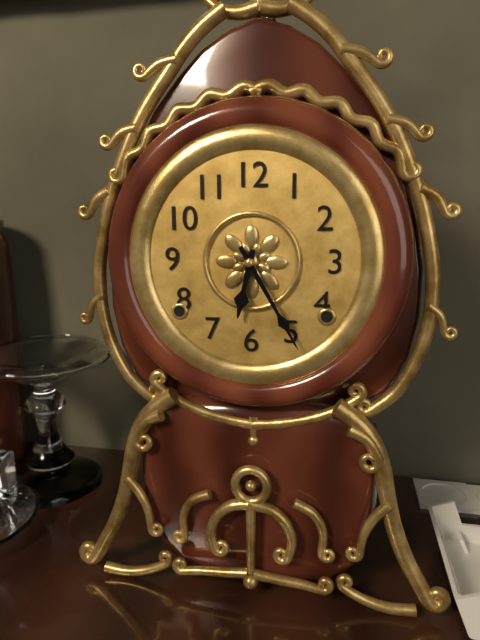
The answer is 6,25
